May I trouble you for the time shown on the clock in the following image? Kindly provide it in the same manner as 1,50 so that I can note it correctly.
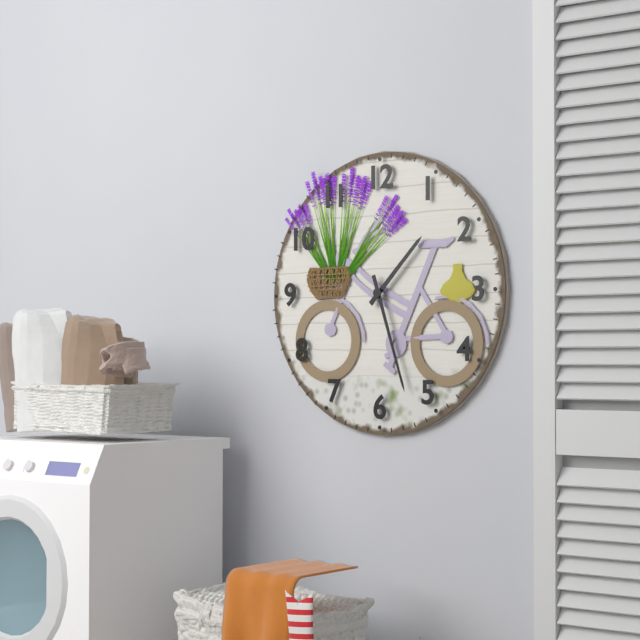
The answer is 1,27
